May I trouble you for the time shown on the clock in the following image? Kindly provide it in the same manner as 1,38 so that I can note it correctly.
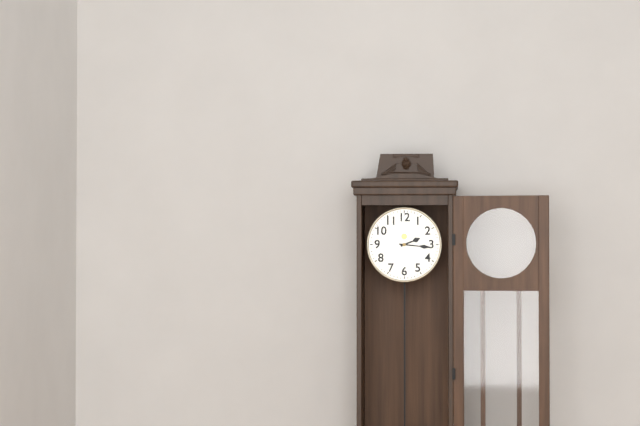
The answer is 2,16
